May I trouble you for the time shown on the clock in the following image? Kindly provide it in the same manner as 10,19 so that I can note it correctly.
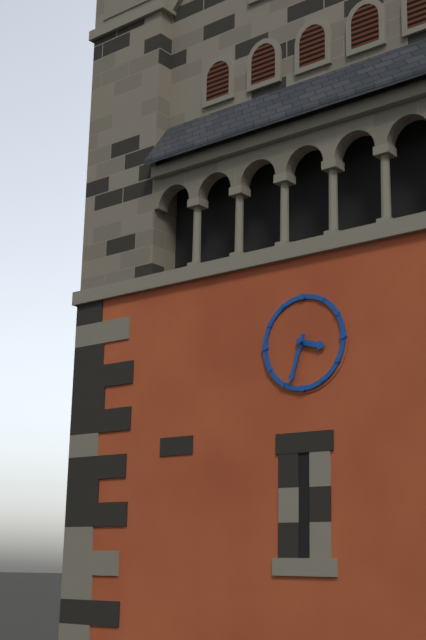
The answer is 3,33
